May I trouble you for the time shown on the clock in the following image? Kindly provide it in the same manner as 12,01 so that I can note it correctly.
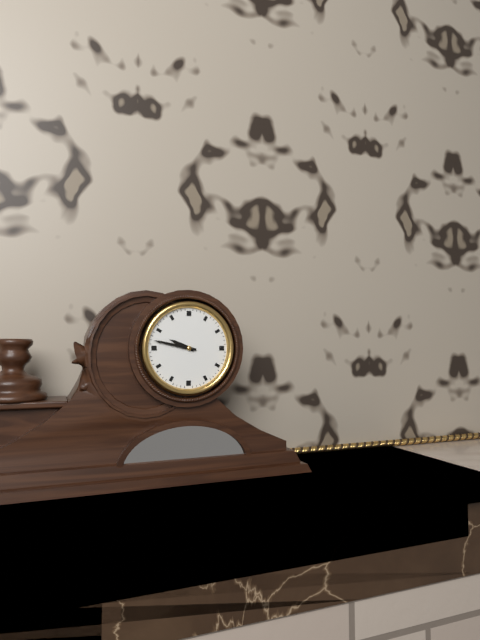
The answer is 9,47
